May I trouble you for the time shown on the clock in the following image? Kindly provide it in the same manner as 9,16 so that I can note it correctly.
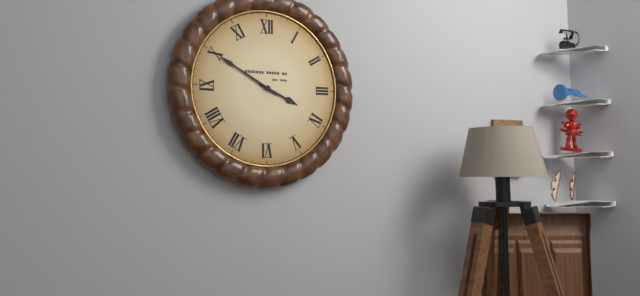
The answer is 3,50
